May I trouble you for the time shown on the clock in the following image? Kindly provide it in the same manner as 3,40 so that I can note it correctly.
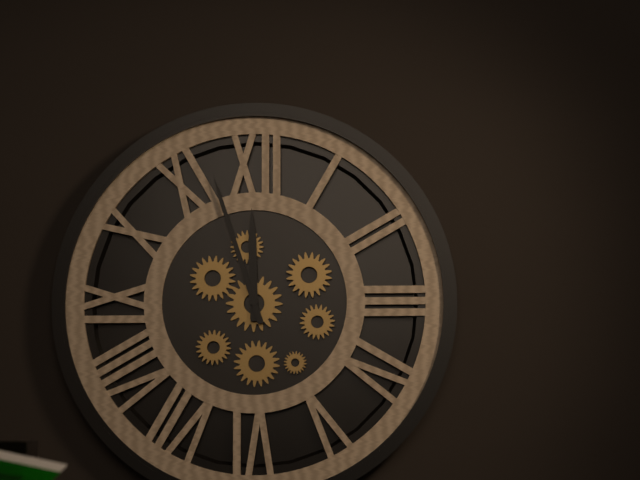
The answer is 11,57
